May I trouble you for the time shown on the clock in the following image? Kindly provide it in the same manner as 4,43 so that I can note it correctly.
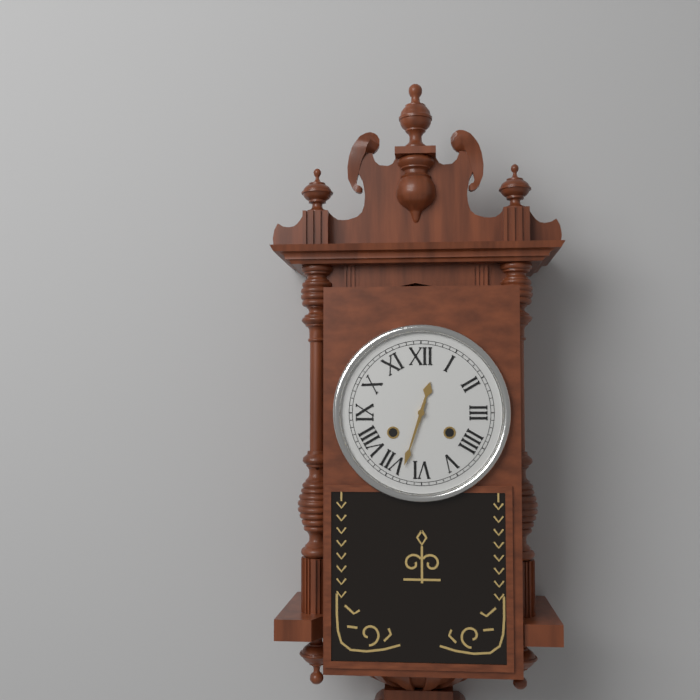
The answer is 12,33
